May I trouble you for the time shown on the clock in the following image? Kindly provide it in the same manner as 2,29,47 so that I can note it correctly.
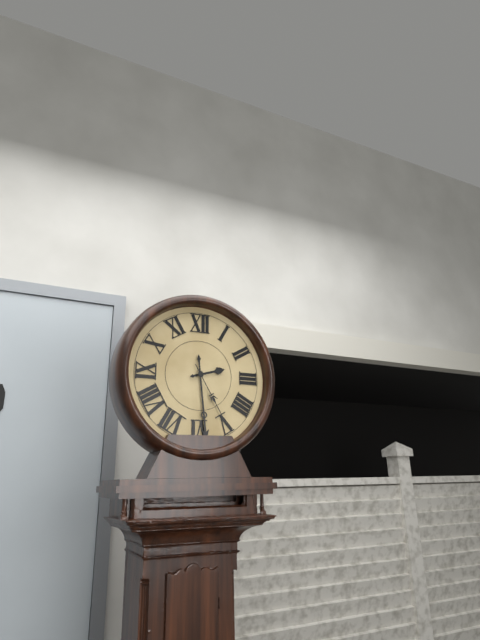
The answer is 2,29,25
